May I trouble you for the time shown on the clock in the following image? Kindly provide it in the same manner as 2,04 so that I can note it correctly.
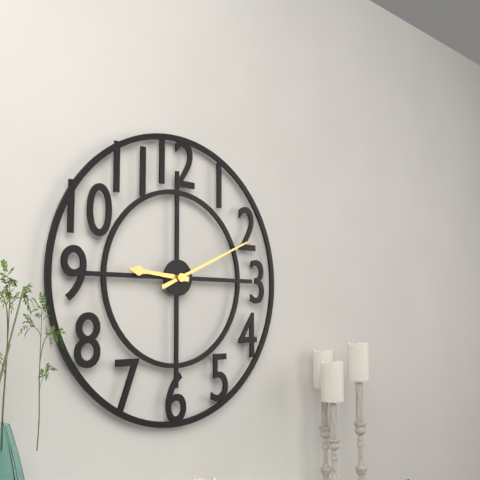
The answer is 9,11
